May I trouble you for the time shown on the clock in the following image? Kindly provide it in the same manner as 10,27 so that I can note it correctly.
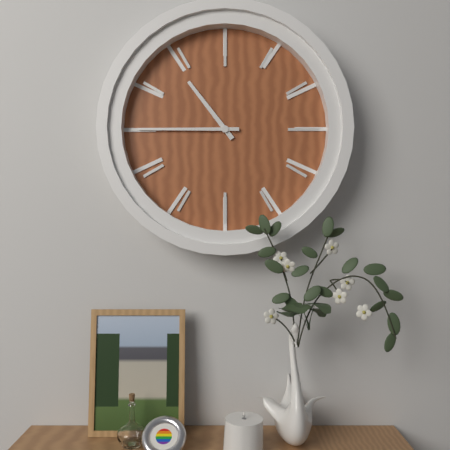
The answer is 10,45
